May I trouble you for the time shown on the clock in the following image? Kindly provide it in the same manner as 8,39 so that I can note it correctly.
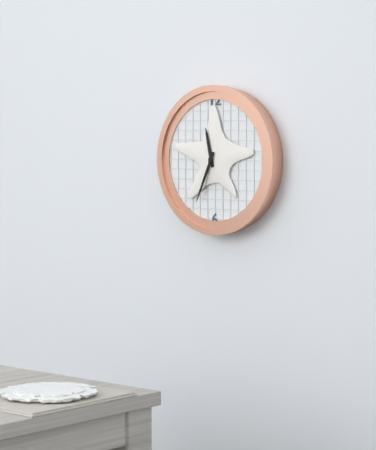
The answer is 11,34
